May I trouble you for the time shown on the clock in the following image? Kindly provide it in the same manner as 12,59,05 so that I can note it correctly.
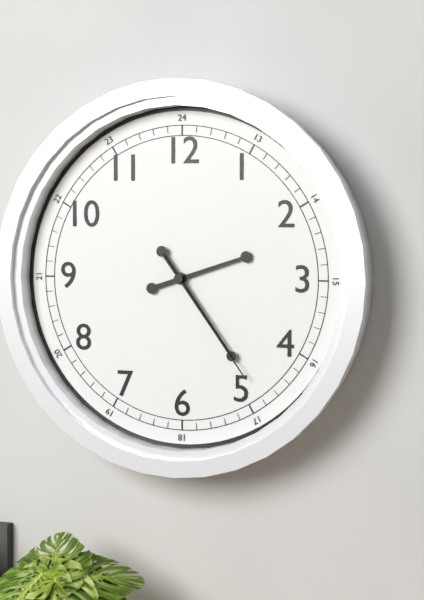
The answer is 2,24,24
